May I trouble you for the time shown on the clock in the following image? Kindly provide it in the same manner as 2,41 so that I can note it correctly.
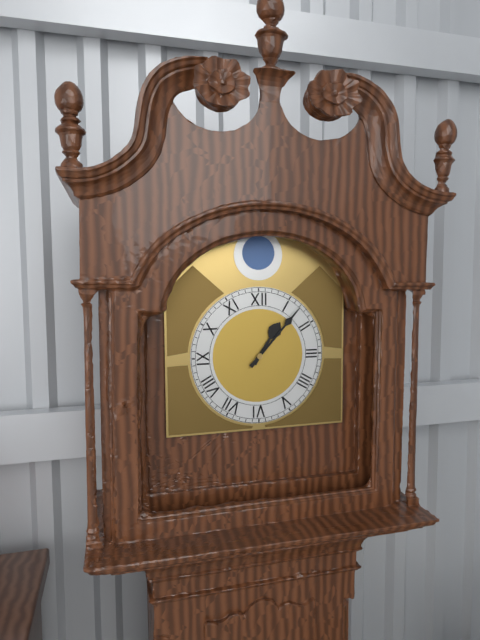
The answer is 1,07
